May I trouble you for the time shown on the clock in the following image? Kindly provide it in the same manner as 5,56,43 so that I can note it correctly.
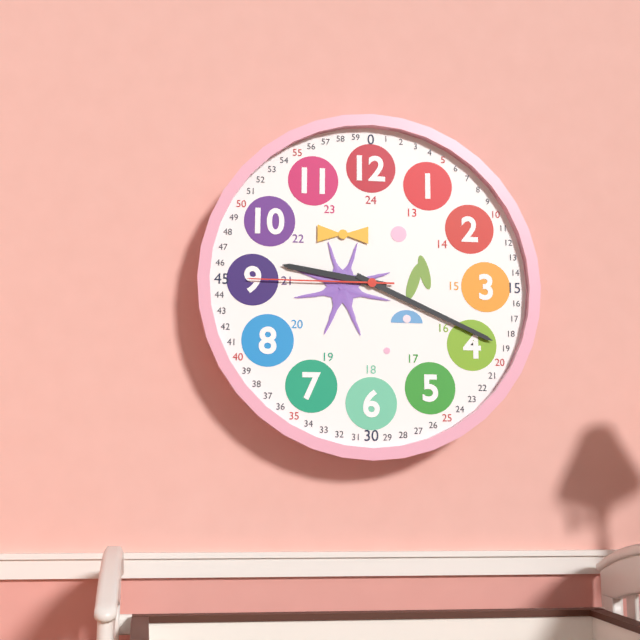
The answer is 9,19,45
